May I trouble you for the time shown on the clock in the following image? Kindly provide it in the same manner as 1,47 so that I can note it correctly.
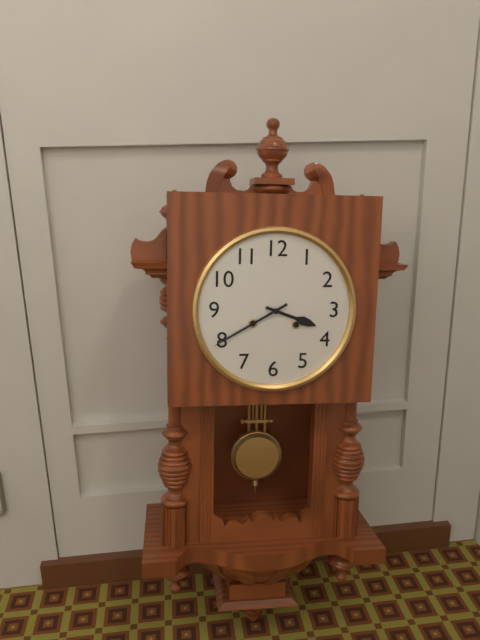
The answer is 3,40
